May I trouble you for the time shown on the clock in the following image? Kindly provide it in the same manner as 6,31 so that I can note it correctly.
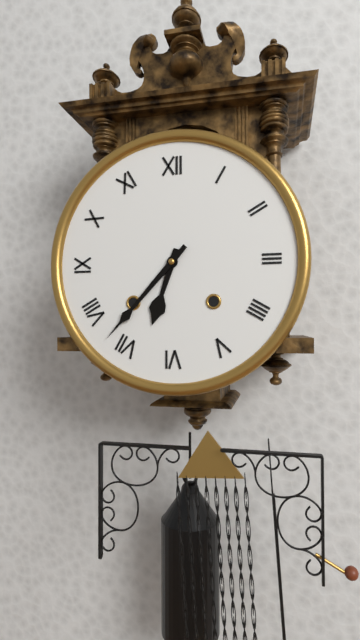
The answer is 6,37
